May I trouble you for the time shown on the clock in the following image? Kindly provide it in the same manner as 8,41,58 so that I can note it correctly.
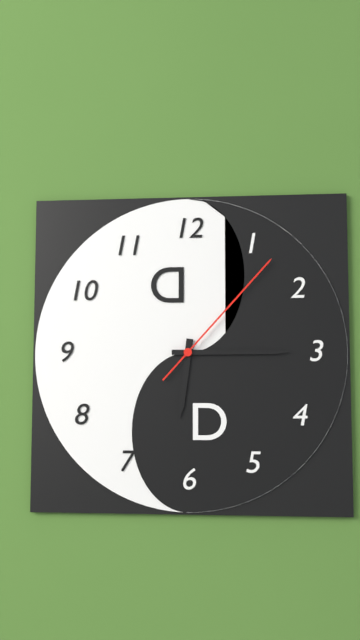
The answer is 6,15,07
